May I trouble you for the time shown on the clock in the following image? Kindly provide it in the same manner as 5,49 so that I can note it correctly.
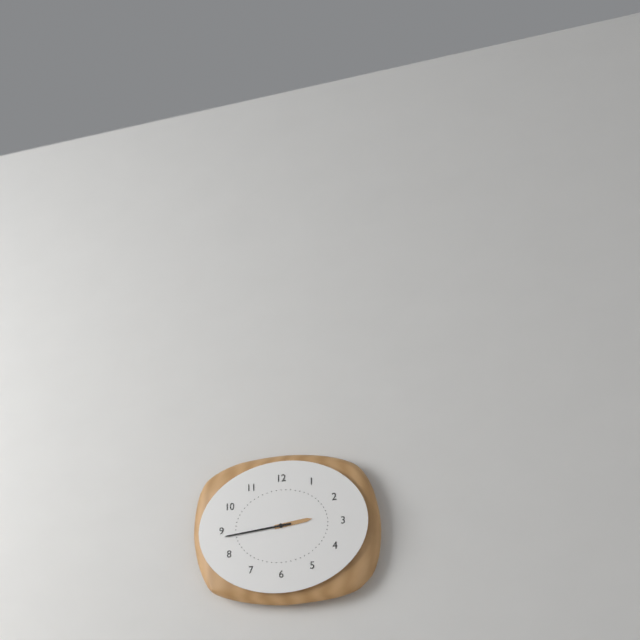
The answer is 2,44
